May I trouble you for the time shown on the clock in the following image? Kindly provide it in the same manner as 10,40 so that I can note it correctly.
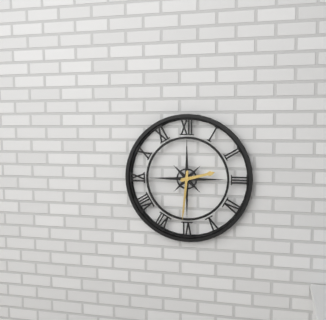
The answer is 2,31
